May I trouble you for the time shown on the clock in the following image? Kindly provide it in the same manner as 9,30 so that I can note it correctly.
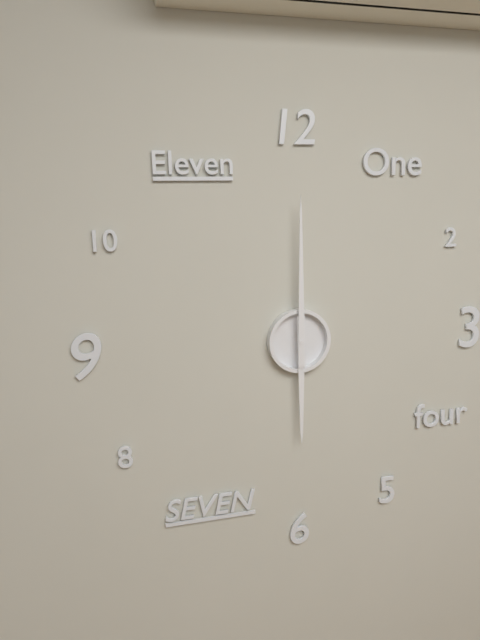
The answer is 6,00
